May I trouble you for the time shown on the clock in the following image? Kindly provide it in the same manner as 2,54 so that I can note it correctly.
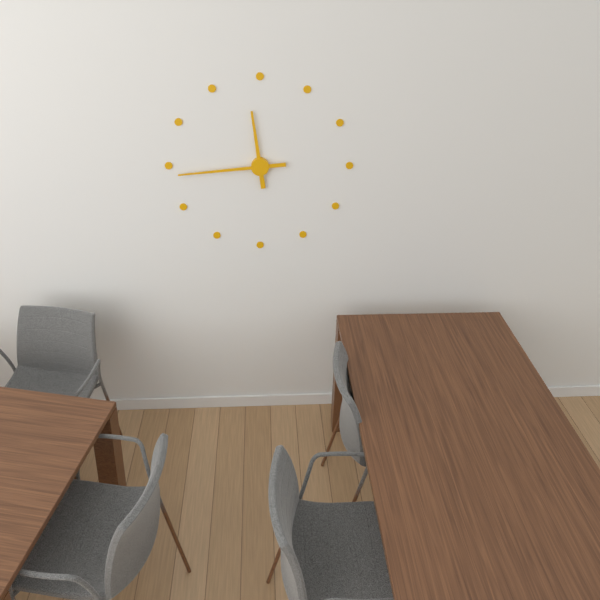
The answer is 11,44
